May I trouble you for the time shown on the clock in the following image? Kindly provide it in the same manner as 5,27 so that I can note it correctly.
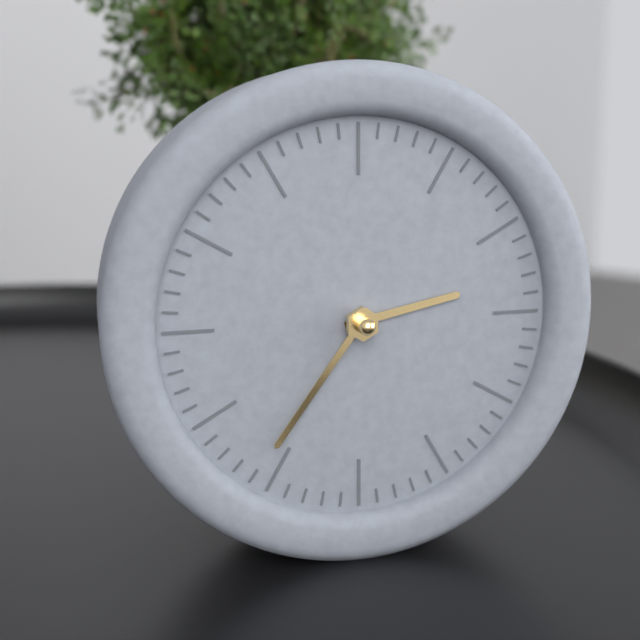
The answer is 2,36
